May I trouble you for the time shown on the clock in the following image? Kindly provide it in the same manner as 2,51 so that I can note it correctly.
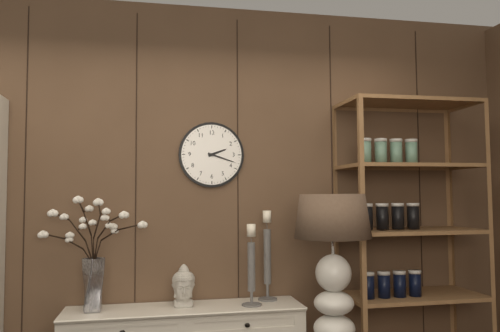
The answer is 2,18
